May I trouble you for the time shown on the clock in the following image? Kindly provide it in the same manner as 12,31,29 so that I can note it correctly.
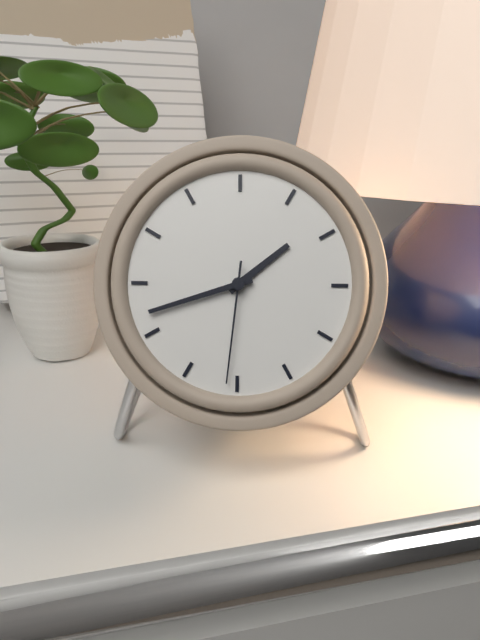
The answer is 1,42,31
